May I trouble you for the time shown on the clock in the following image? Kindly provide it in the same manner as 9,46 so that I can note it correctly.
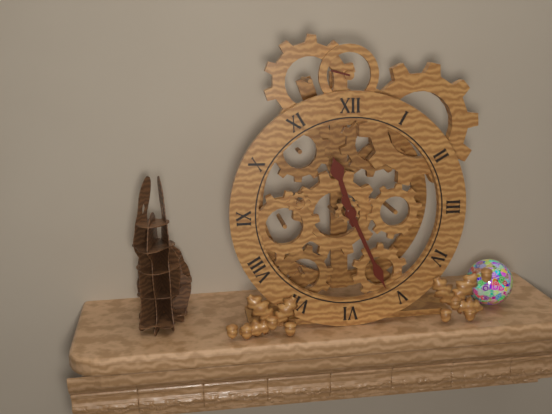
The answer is 11,26
